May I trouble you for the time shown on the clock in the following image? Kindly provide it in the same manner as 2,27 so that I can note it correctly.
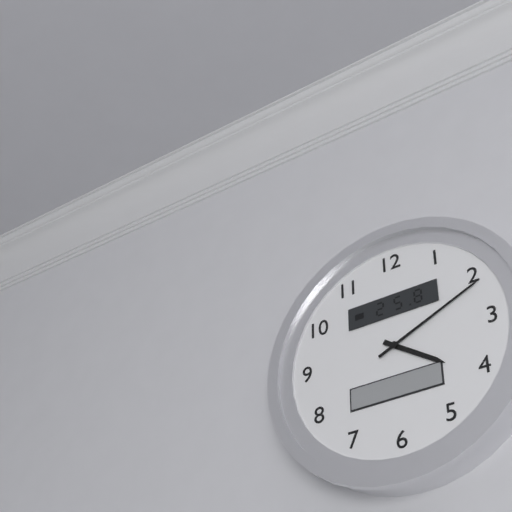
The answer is 4,11
